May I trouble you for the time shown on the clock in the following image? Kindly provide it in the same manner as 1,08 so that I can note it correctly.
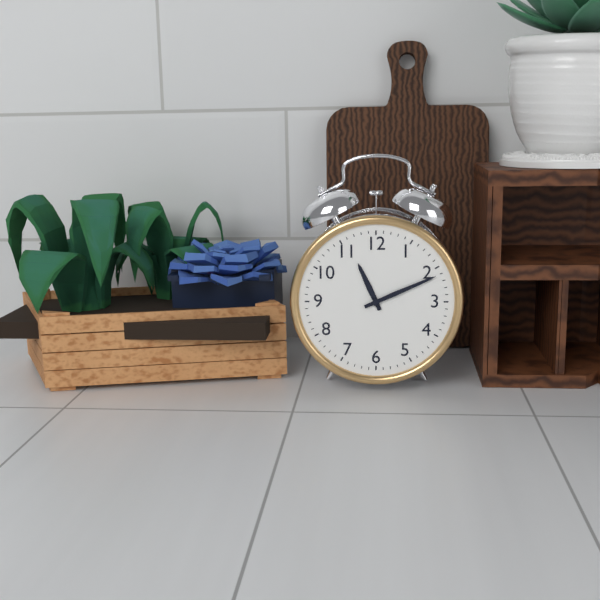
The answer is 11,11
